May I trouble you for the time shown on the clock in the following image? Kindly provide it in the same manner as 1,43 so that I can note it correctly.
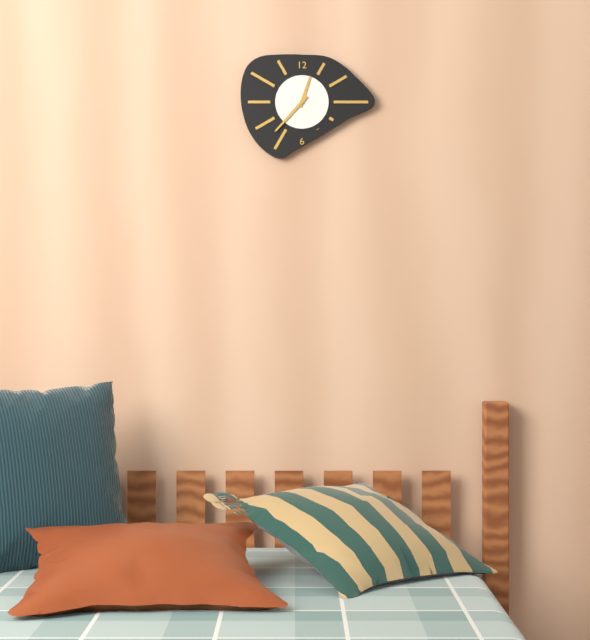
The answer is 12,37
